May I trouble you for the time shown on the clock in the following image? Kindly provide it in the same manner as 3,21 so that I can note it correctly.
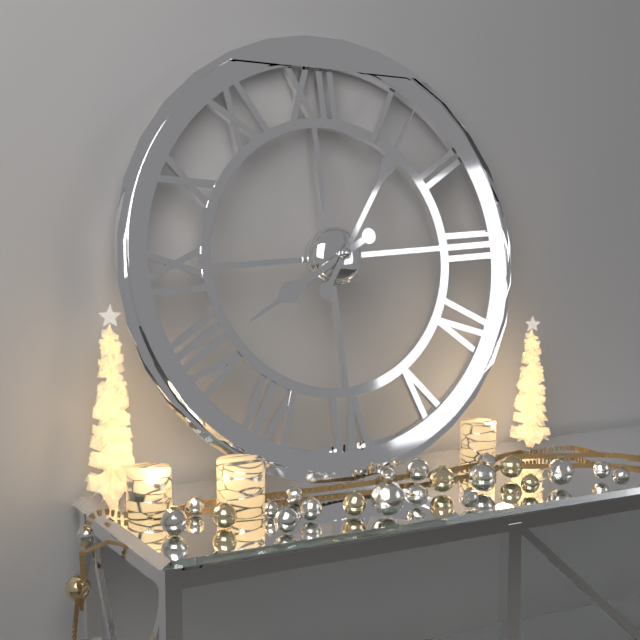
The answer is 8,06
